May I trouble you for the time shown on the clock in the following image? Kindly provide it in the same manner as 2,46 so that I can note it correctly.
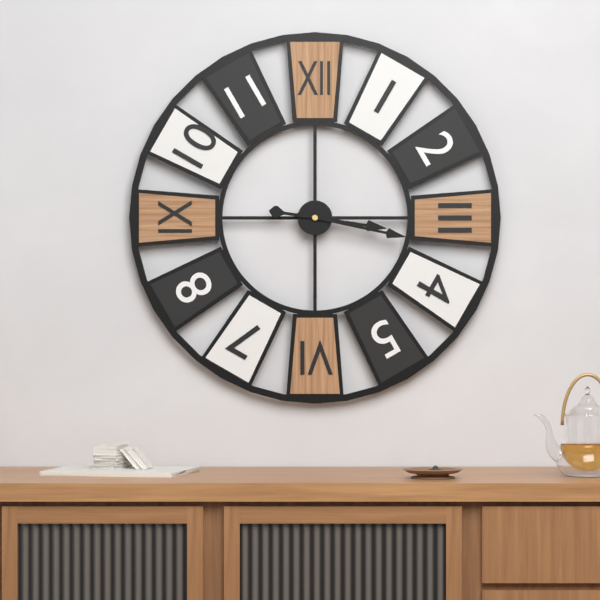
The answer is 3,17
